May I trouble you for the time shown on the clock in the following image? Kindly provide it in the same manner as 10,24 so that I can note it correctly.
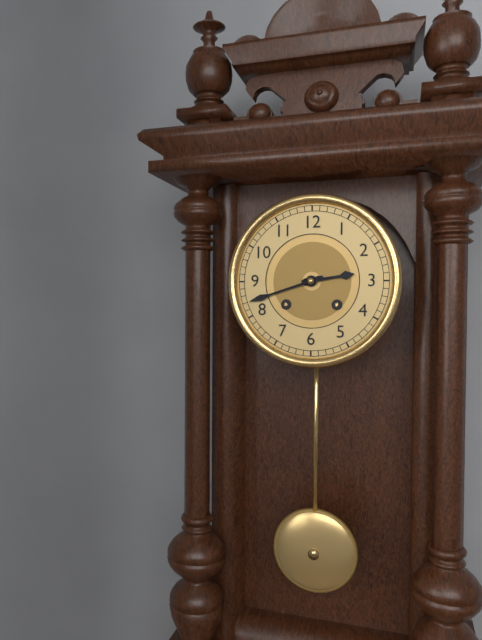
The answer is 2,42
